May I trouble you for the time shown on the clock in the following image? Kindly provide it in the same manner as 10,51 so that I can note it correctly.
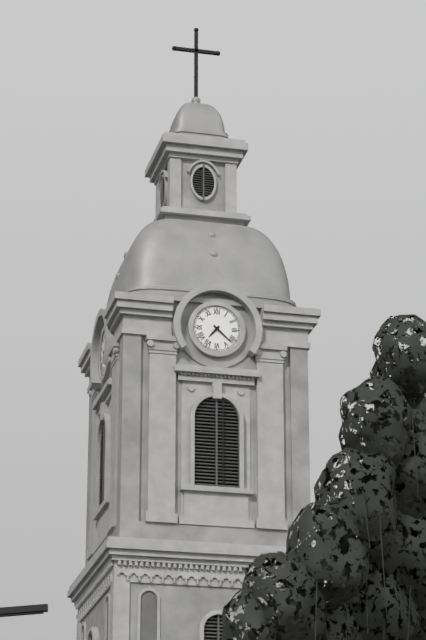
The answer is 7,22
